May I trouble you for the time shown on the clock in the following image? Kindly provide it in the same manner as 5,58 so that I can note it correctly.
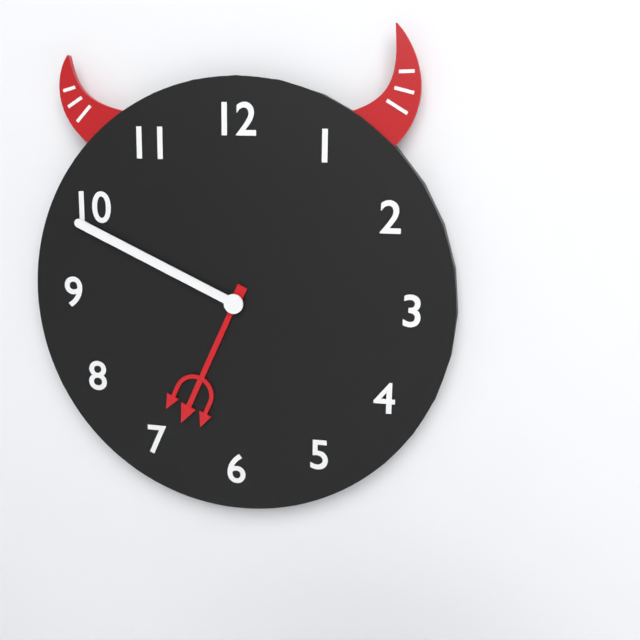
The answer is 6,49
